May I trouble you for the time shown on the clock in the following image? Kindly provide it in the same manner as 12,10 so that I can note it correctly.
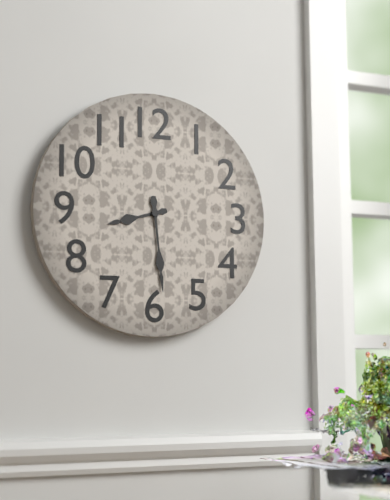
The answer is 8,29
